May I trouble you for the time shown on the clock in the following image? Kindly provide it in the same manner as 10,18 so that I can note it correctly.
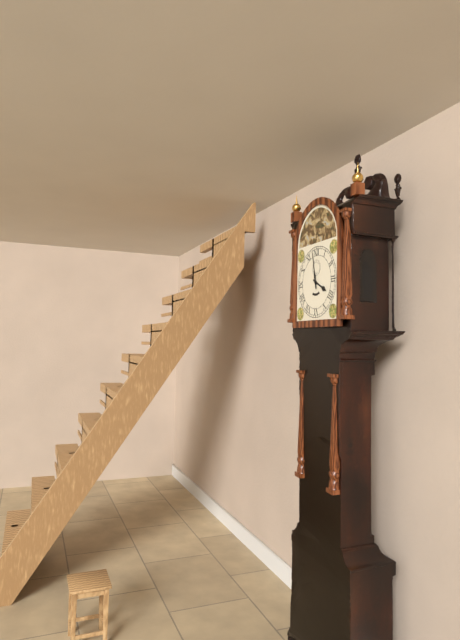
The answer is 3,58
